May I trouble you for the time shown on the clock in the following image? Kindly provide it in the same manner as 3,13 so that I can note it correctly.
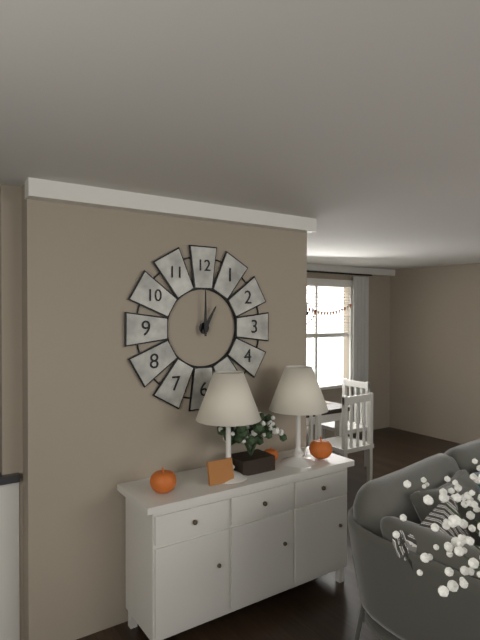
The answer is 1,00
